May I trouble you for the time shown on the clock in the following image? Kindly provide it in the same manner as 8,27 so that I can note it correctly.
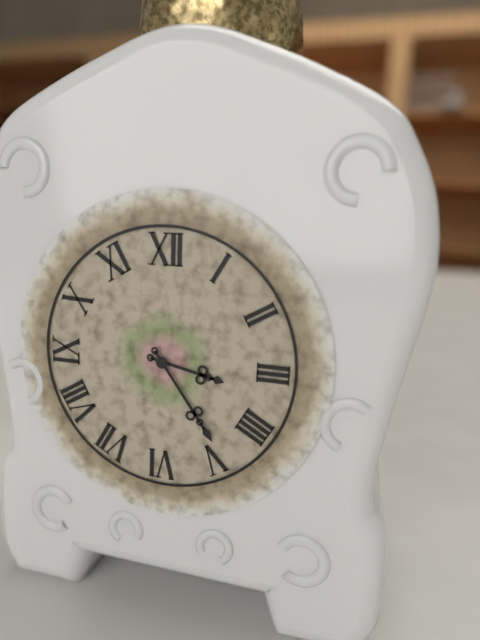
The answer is 3,24
